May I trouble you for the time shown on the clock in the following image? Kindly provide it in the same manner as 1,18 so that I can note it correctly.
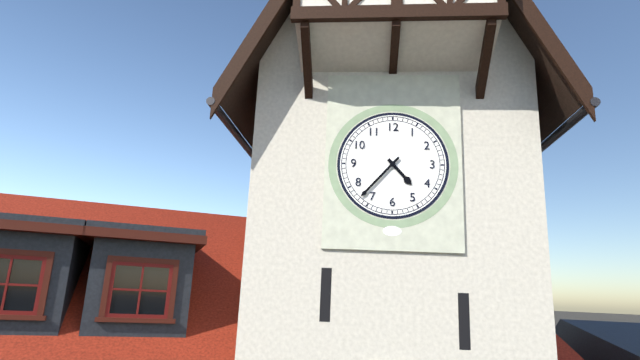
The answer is 4,37
